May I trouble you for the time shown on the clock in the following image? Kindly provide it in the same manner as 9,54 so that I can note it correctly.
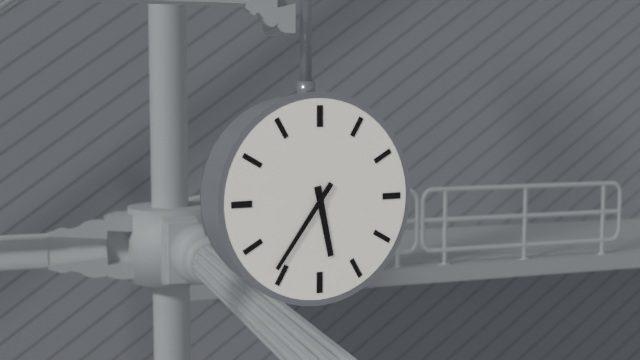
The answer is 5,36
